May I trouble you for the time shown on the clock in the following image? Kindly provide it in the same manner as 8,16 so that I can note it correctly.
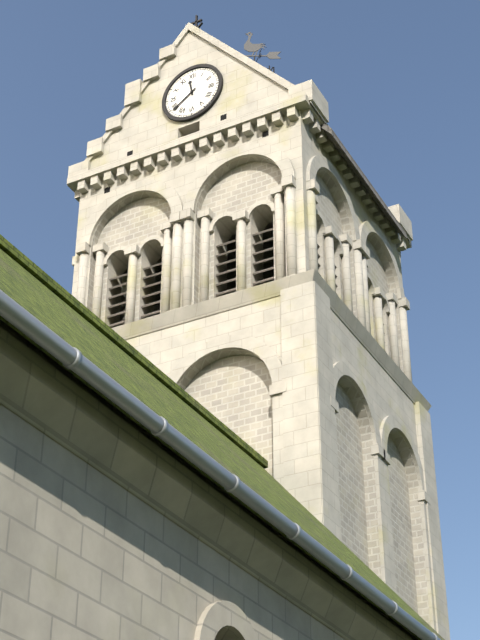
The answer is 11,39
